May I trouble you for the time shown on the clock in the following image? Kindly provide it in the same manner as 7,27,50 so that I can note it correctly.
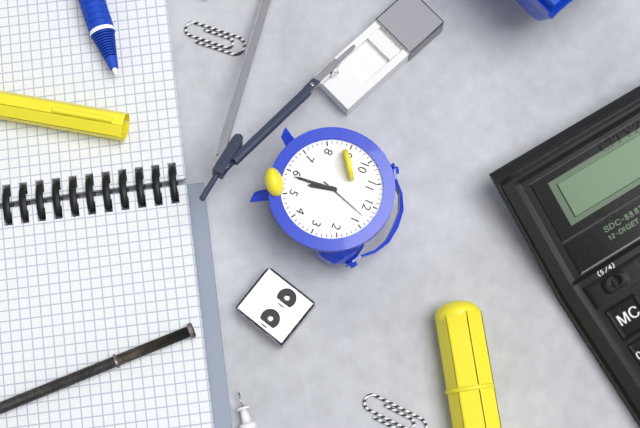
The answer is 5,29,03
